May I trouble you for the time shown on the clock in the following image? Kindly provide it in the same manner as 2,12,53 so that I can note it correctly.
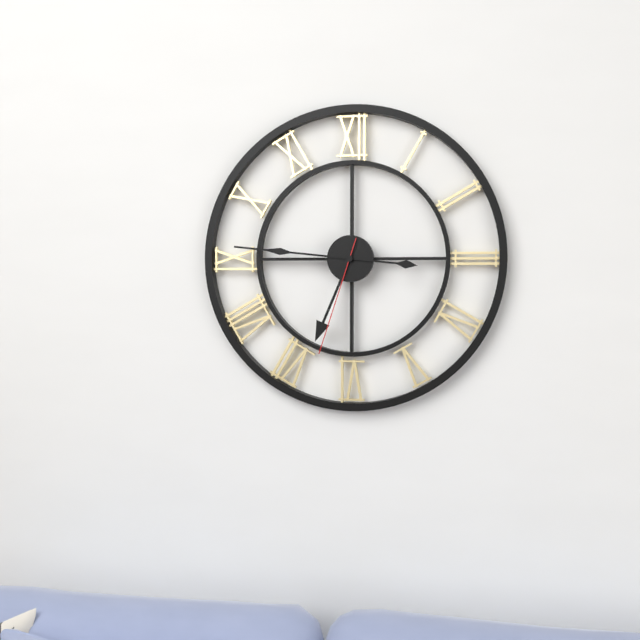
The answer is 6,46,33
